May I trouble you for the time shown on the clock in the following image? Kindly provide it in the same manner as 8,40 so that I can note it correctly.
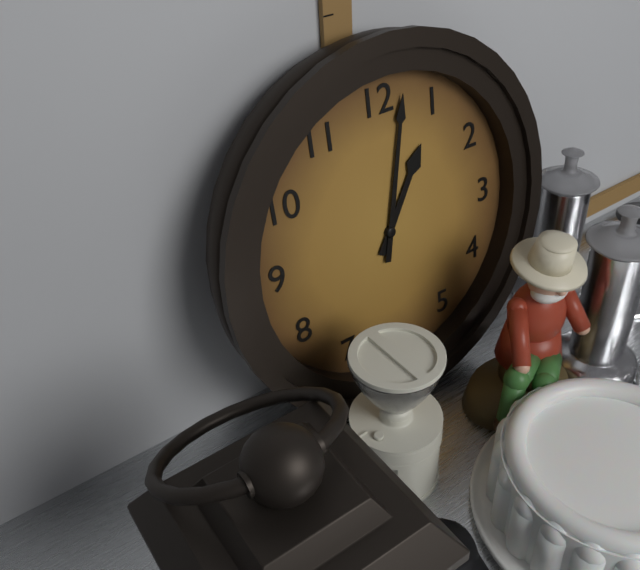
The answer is 1,02
